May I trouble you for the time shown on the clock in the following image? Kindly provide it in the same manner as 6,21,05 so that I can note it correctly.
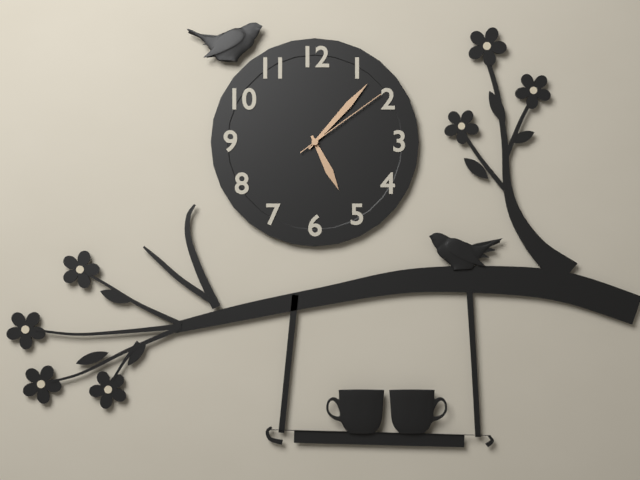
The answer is 5,07,09
